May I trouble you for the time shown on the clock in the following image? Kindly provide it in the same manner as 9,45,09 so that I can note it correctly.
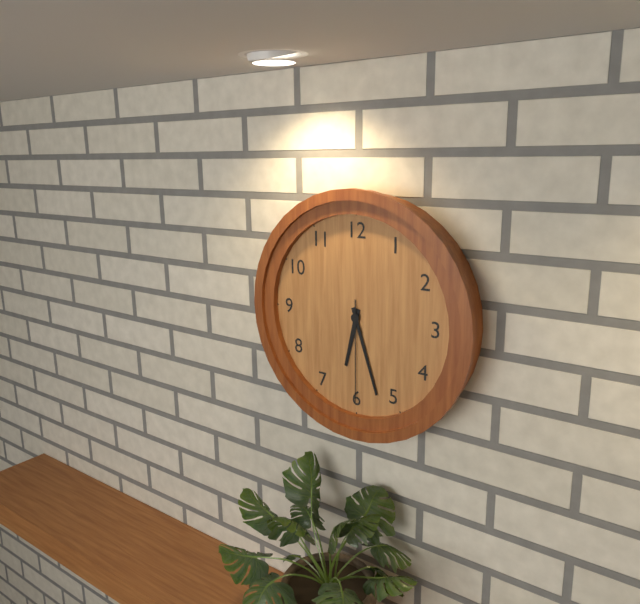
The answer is 6,27,30
